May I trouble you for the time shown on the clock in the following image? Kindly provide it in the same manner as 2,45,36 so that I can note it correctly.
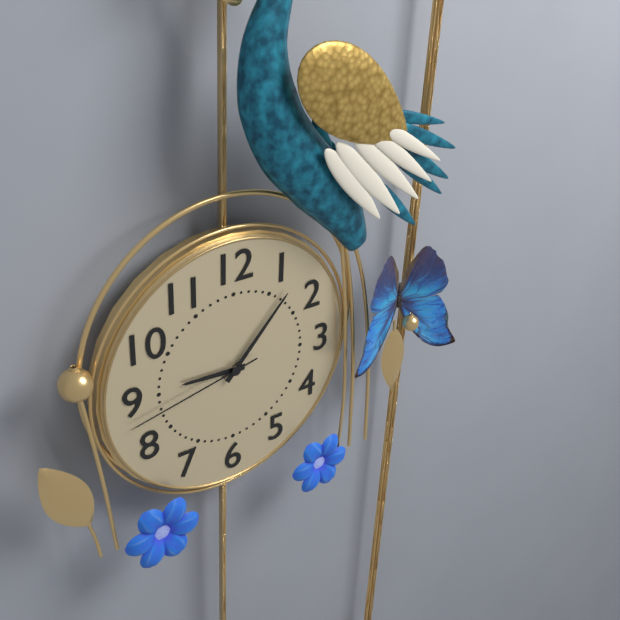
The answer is 9,07,43
